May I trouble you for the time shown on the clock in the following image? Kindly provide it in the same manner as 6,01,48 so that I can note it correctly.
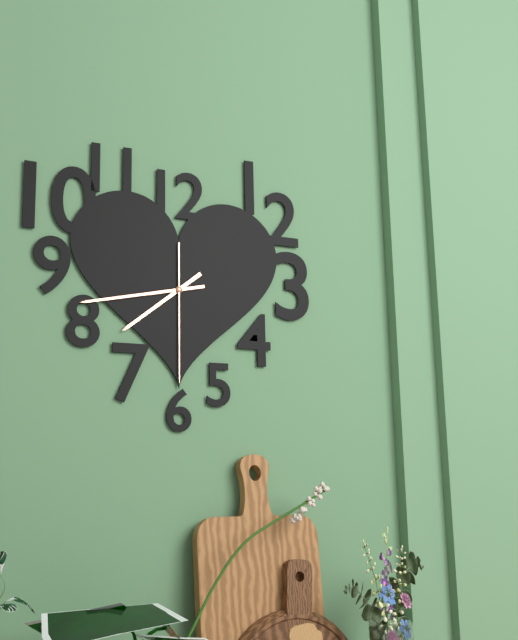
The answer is 7,43,30
